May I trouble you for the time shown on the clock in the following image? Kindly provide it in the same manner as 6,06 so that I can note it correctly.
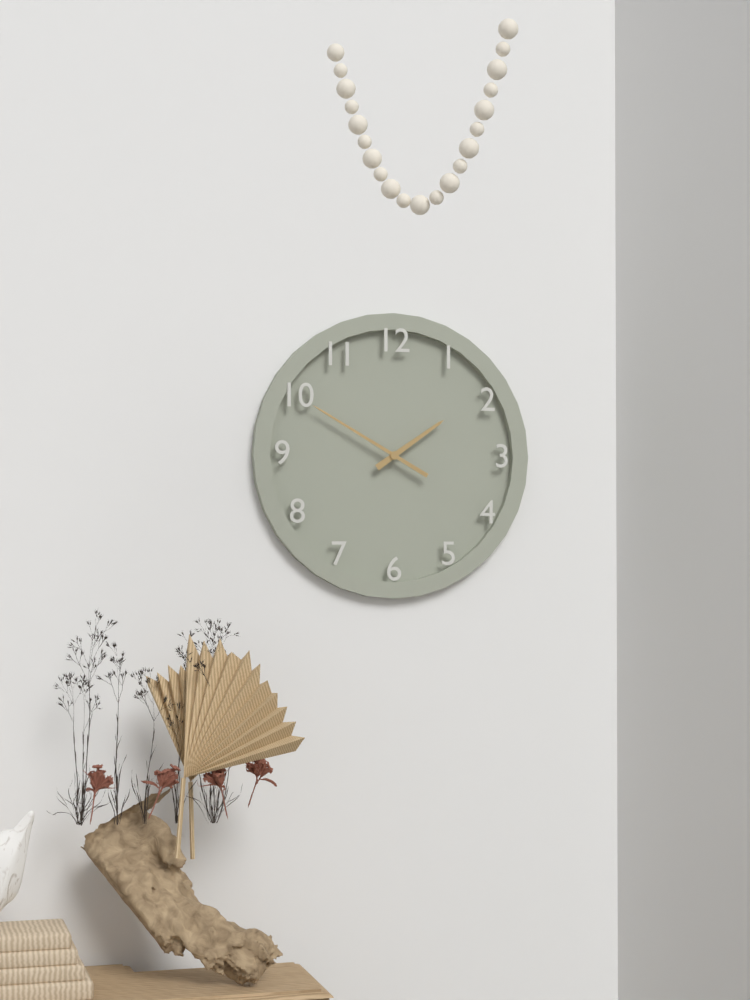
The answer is 1,50
